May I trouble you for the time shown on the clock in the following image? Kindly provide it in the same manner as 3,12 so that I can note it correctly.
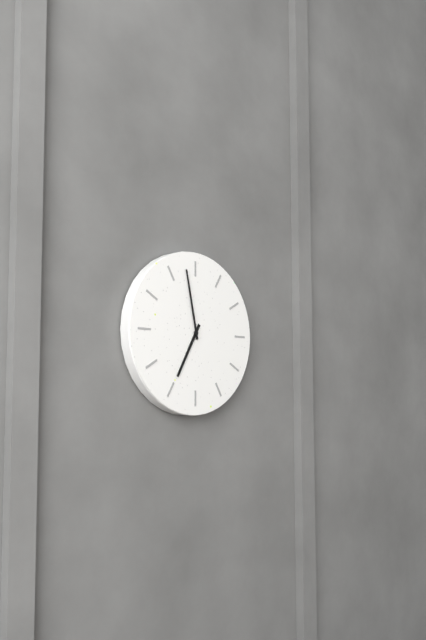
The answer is 6,58
